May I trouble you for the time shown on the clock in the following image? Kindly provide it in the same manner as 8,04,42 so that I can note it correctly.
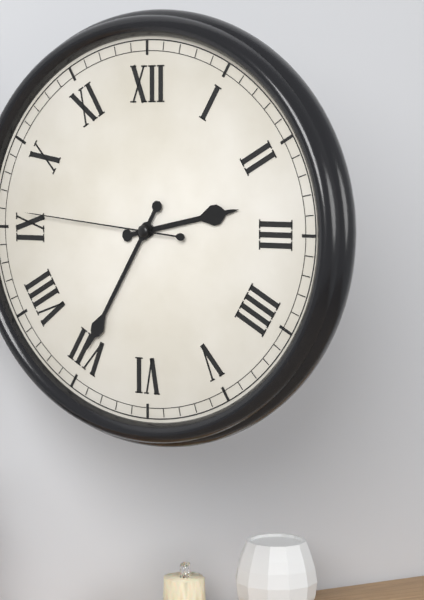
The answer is 2,35,46
